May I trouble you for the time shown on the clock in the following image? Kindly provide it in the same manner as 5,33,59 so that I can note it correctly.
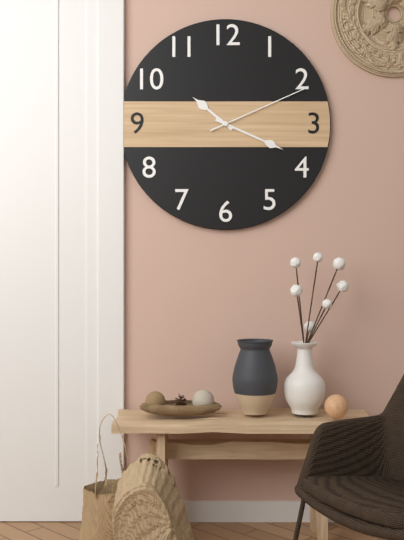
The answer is 10,19,11
